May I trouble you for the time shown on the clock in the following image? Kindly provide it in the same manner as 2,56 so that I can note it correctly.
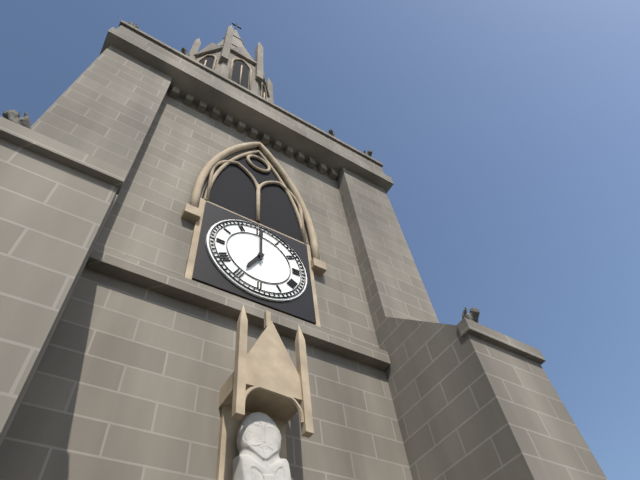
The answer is 7,00
